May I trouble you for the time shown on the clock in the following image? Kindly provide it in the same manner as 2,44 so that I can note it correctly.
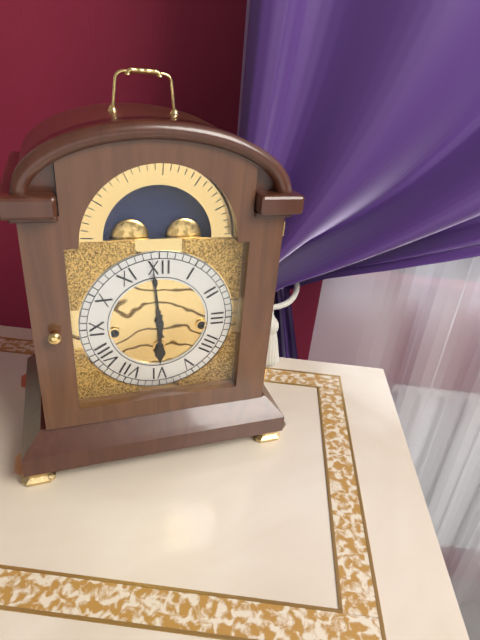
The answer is 5,59
